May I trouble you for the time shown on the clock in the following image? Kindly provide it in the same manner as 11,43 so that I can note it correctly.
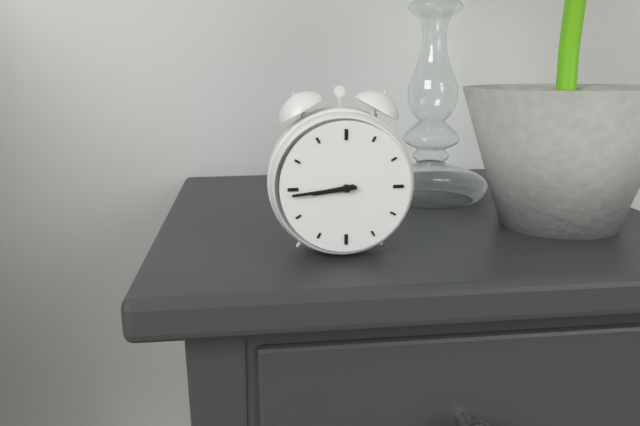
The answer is 8,44
